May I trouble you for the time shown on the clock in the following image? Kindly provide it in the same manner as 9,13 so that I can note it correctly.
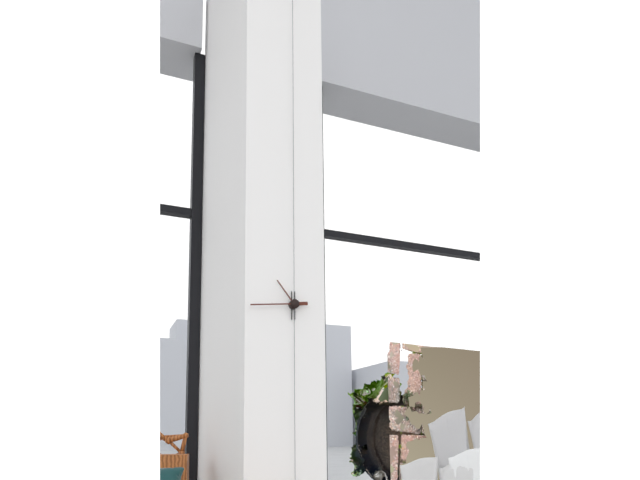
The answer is 10,44
